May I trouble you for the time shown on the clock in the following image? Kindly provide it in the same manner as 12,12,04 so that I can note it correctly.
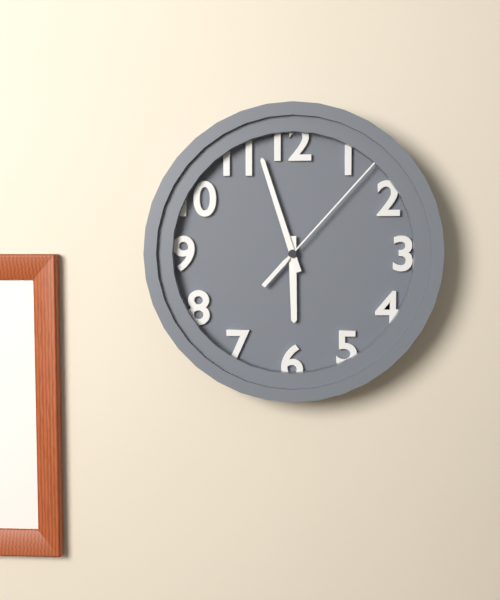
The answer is 5,57,07
